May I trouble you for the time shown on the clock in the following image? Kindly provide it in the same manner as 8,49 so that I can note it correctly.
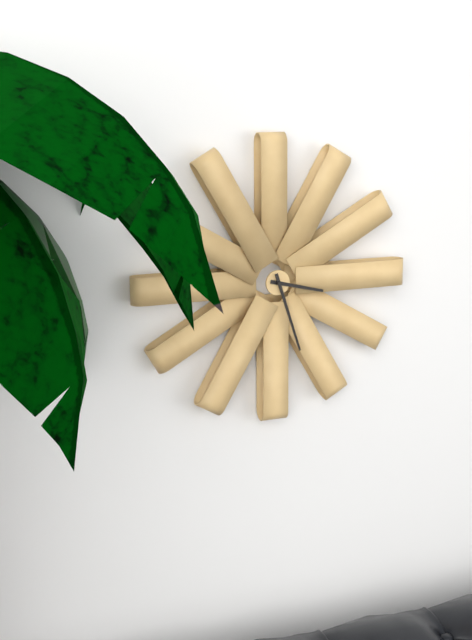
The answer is 3,27
